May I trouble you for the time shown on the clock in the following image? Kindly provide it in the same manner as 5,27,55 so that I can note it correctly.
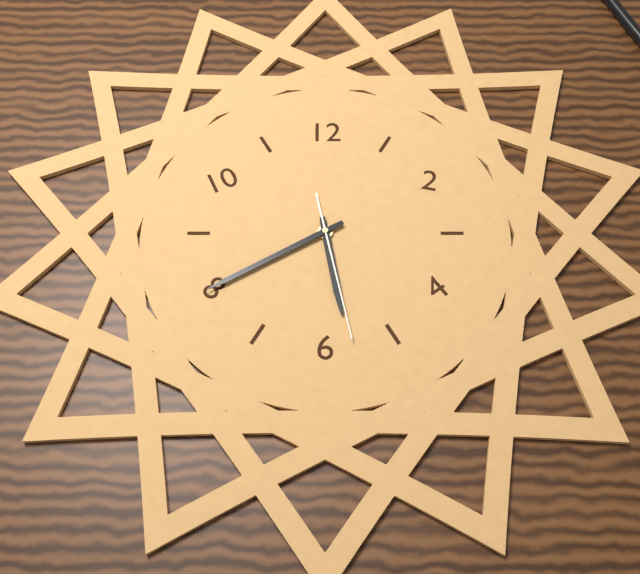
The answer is 5,40,28
